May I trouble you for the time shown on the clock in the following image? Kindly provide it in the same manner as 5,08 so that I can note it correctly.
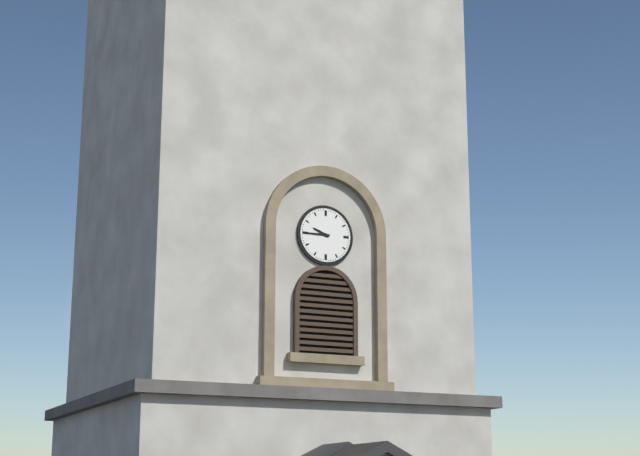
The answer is 9,45
